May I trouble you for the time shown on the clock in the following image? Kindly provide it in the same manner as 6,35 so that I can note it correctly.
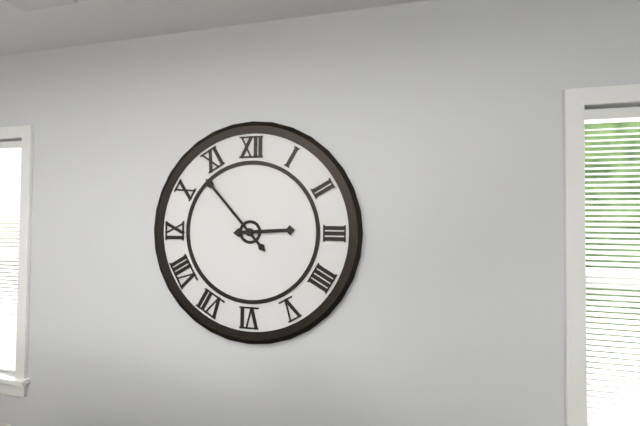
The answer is 2,53
